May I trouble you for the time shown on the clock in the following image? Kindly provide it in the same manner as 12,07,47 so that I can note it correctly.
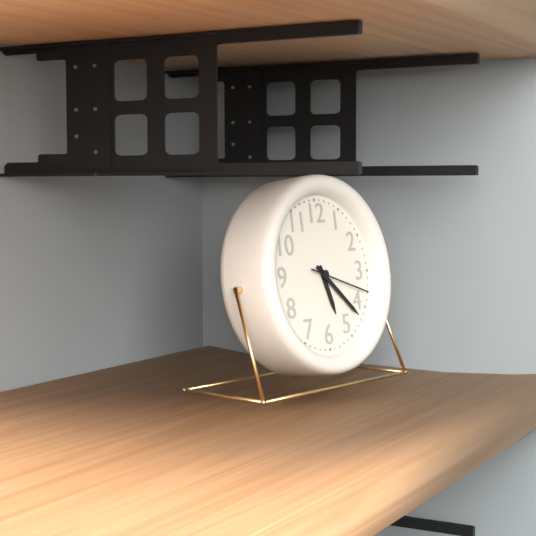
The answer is 5,22,18
